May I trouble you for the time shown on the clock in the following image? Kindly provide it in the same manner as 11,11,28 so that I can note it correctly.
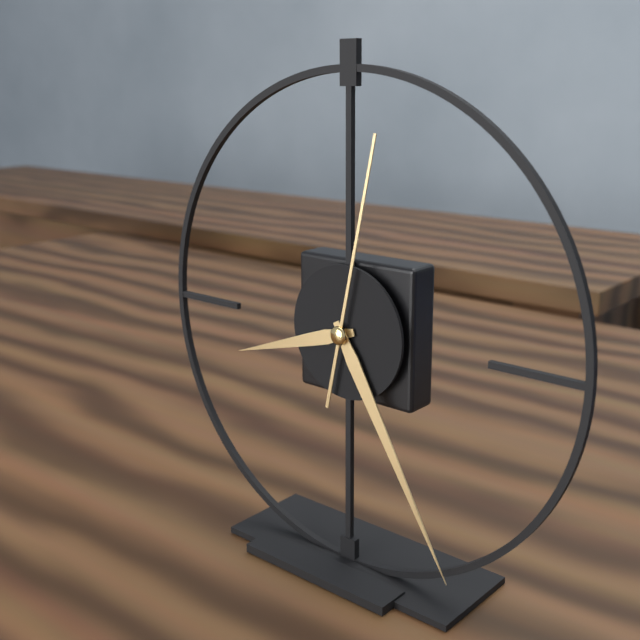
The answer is 8,25,02
